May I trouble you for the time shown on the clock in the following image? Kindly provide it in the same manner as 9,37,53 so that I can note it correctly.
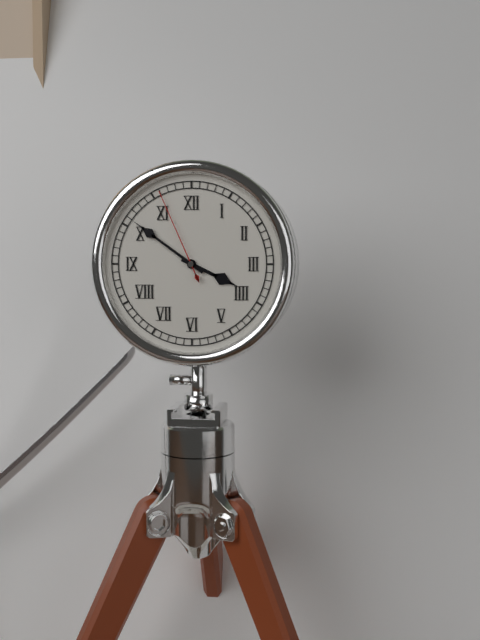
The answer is 3,51,56
